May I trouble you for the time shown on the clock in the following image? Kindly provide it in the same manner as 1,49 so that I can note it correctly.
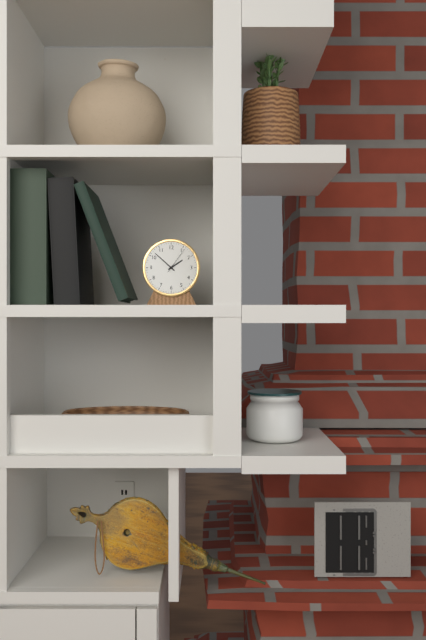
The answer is 1,52
